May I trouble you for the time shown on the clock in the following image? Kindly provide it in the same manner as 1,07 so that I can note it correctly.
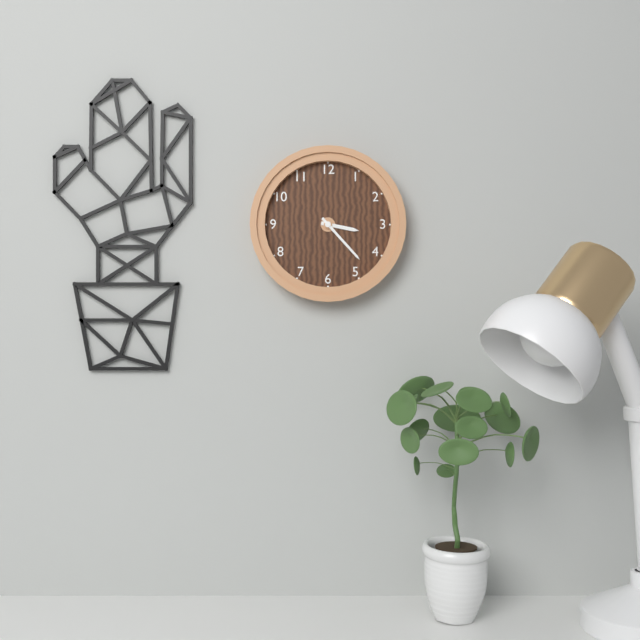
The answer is 3,23
